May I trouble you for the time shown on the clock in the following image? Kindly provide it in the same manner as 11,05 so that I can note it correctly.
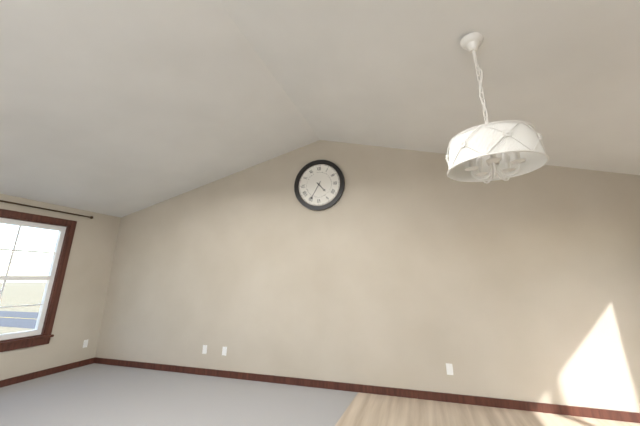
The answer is 4,35
